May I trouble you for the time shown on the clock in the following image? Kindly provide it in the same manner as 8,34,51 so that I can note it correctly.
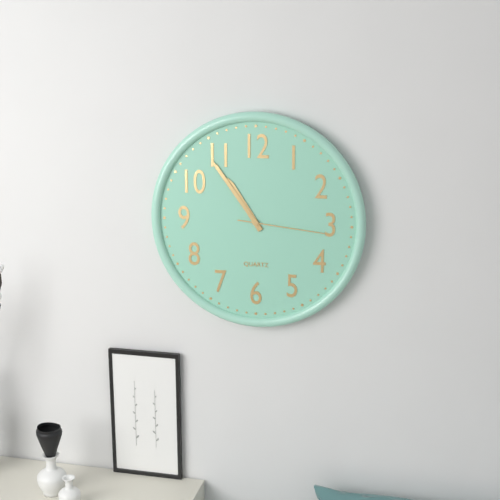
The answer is 10,54,16
